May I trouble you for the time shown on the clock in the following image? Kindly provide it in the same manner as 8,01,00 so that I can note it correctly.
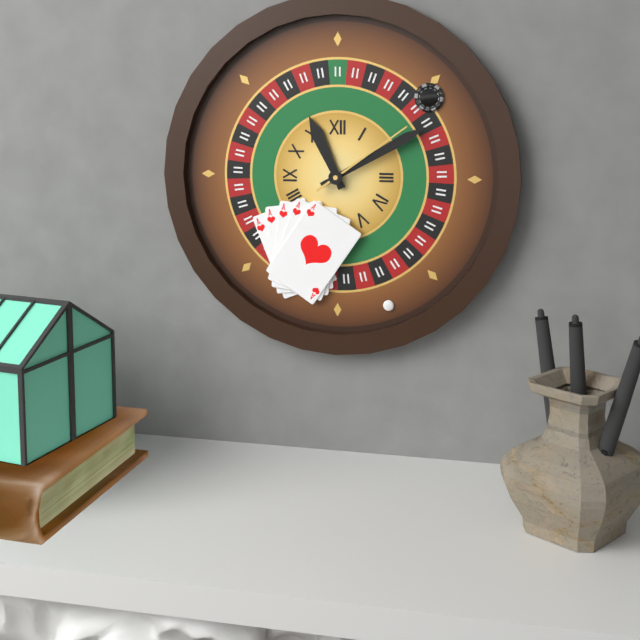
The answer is 11,10,09
